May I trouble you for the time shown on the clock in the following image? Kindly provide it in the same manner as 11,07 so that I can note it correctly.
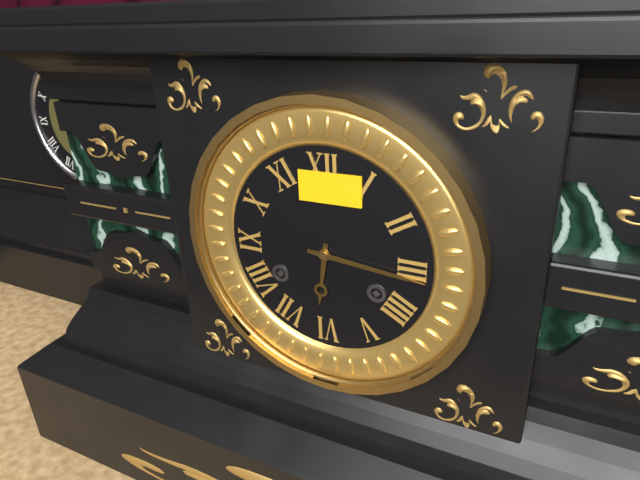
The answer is 6,16
